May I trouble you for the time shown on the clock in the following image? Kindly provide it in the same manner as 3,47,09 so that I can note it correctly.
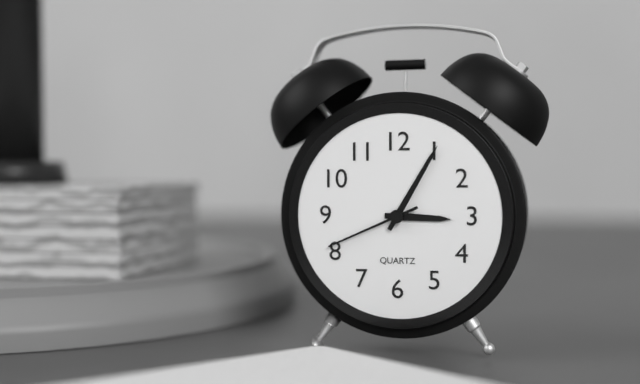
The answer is 3,05,41
